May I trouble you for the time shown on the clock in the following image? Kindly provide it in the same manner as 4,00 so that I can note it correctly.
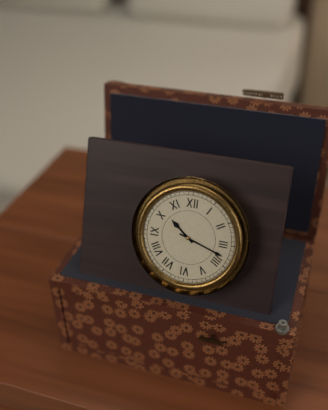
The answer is 10,18
